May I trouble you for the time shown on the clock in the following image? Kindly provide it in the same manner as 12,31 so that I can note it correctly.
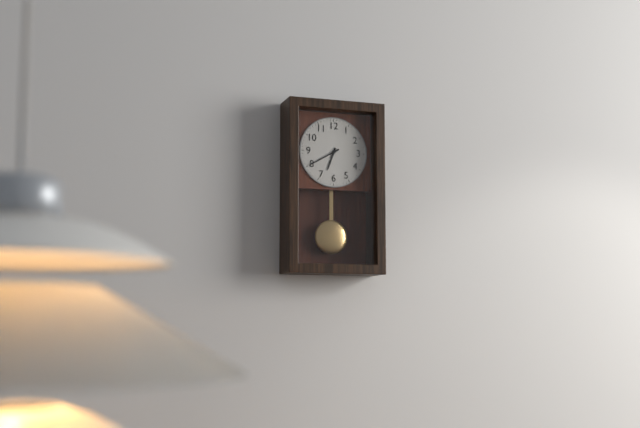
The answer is 6,40
